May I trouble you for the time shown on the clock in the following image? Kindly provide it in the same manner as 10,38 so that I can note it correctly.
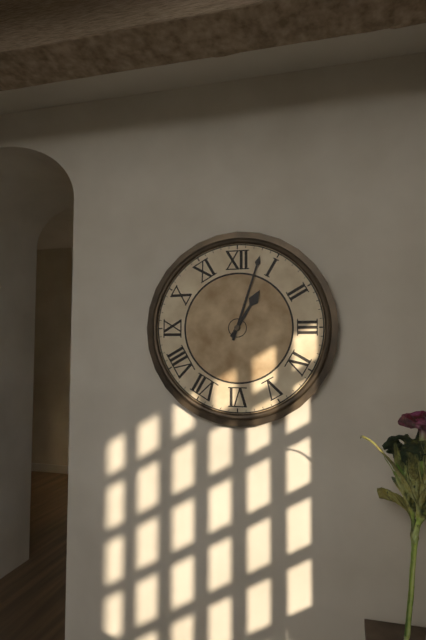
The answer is 1,03
